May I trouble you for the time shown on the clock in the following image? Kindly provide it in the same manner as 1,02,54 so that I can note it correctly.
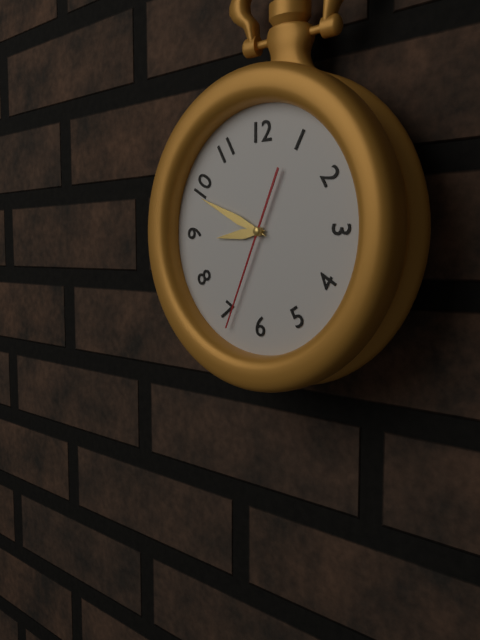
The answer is 8,49,34
